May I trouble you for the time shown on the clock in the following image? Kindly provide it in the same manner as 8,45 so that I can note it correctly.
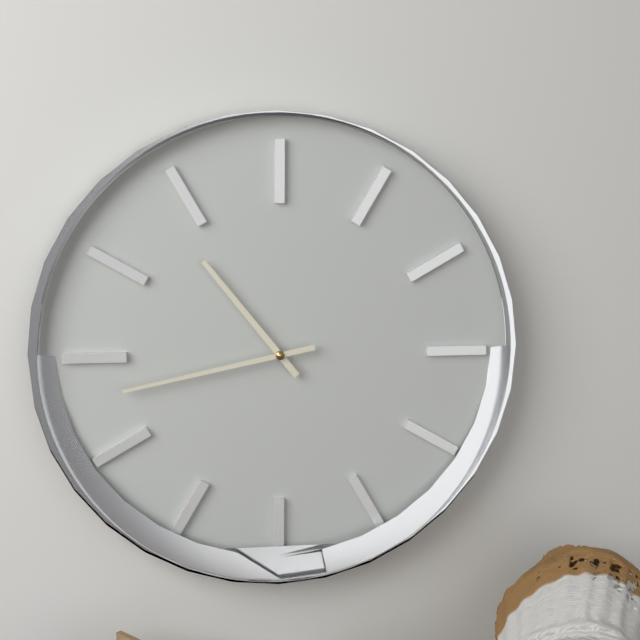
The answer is 10,43
